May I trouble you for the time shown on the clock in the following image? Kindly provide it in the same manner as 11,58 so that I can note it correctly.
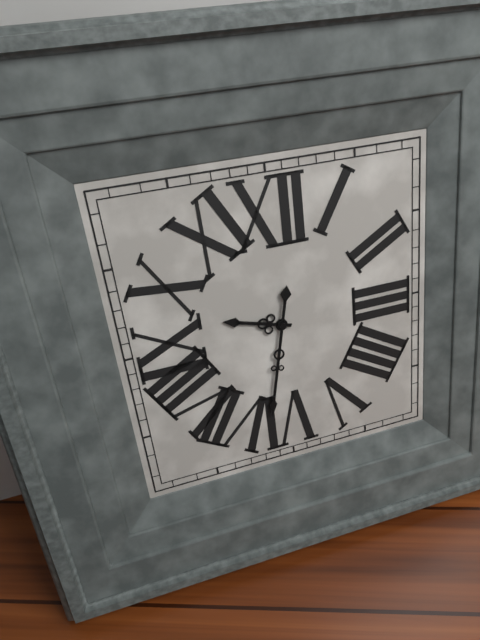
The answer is 9,32
